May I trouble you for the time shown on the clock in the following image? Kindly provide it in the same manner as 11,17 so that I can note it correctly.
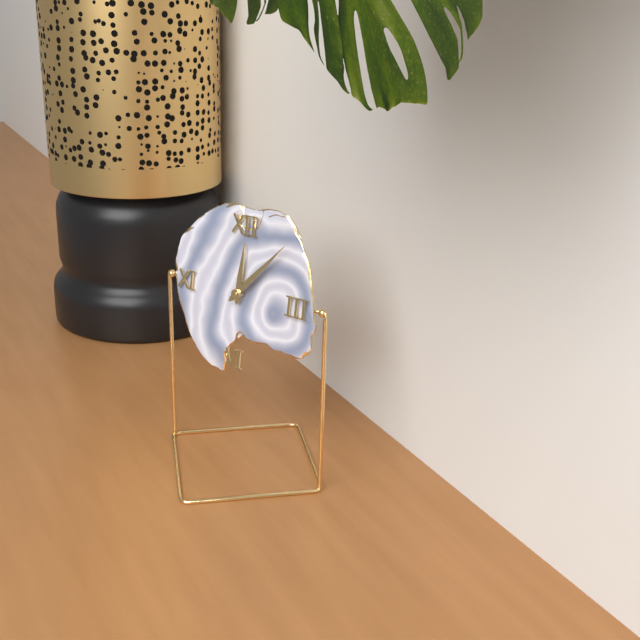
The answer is 12,07
